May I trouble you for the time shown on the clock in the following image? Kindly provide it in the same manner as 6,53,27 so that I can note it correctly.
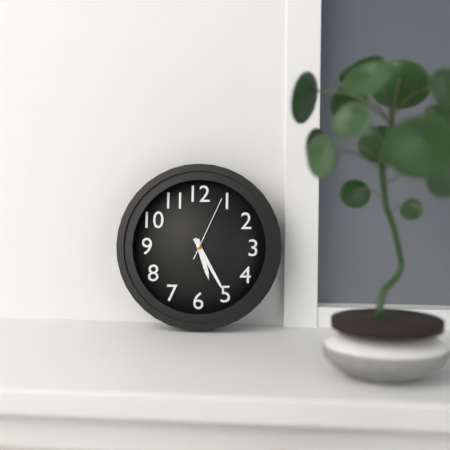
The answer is 5,25,04
